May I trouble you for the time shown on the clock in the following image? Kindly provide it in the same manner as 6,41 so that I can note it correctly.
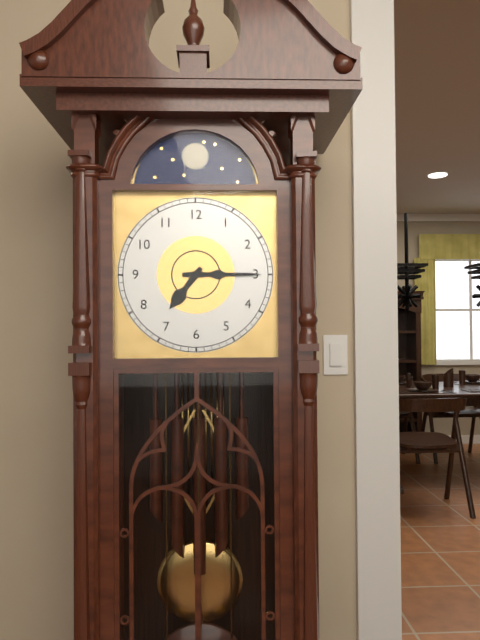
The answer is 7,15
